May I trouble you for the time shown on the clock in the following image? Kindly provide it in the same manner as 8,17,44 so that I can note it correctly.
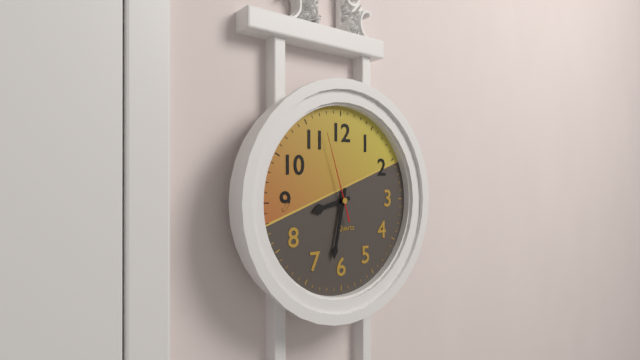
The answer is 8,32,57
